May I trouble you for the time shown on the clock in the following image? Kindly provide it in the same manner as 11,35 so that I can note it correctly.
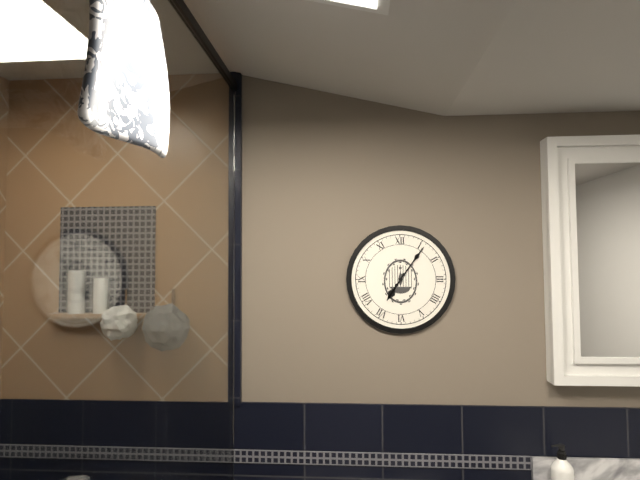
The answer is 7,06
